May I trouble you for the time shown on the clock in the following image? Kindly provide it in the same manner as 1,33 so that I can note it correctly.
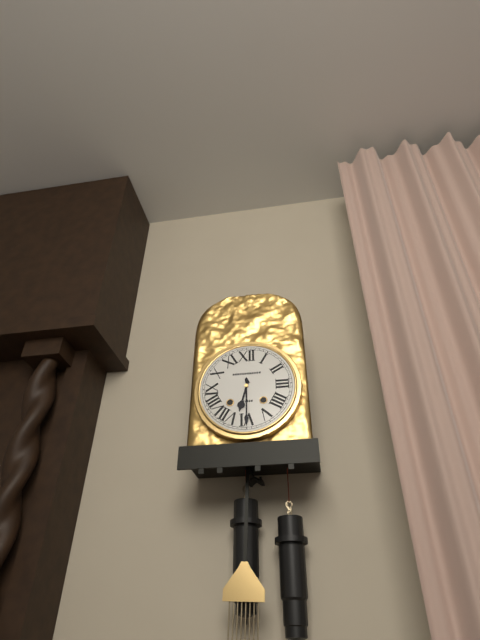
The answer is 6,30
